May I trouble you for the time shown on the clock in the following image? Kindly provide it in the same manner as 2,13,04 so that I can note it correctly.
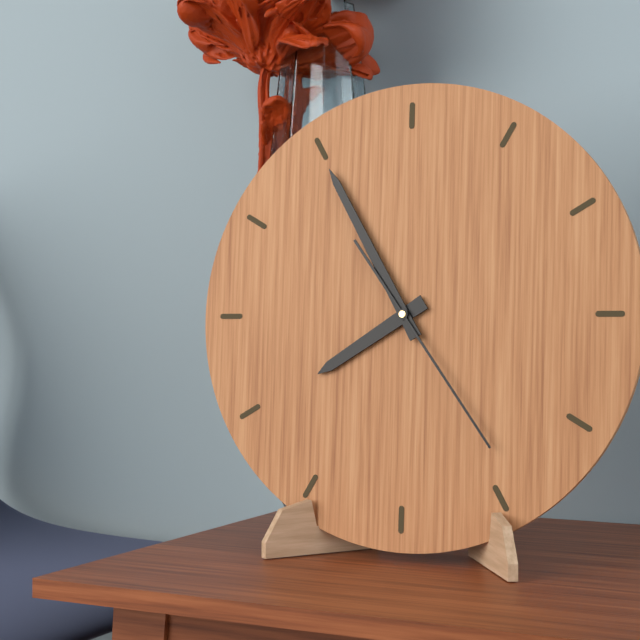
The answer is 7,55,24
